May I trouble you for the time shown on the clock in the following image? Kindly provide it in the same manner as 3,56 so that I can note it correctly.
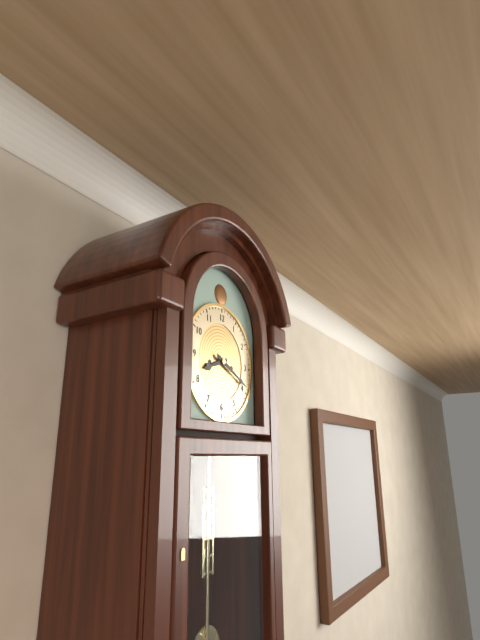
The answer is 8,19
